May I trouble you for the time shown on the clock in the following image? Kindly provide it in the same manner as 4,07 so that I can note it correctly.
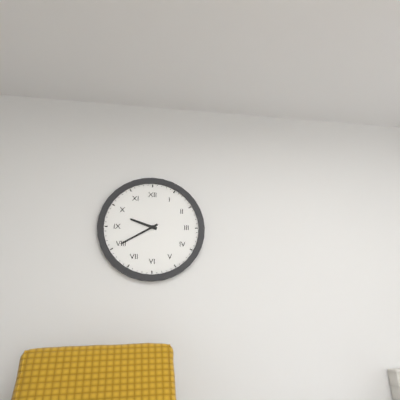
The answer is 9,40
